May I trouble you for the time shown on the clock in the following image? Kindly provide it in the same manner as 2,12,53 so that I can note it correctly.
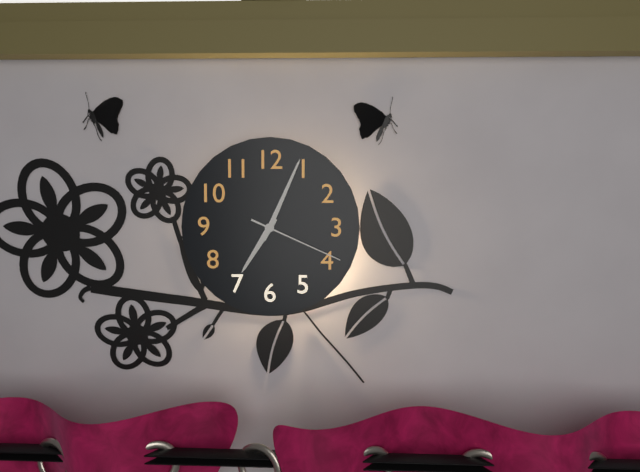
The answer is 7,04,19
